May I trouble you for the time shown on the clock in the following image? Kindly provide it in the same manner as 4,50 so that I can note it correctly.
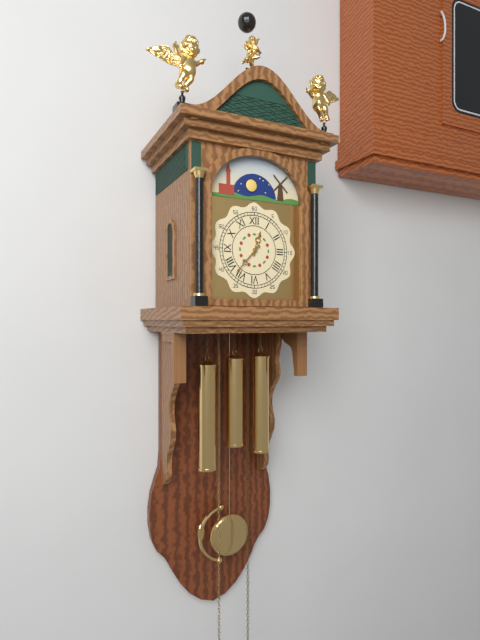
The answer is 12,37
